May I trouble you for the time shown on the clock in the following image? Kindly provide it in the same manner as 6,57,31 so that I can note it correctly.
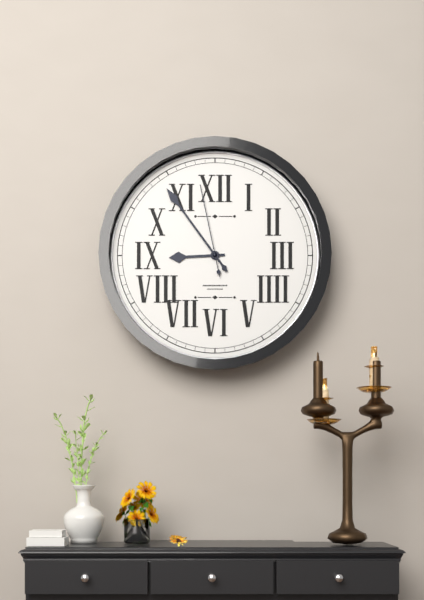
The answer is 8,54,58
